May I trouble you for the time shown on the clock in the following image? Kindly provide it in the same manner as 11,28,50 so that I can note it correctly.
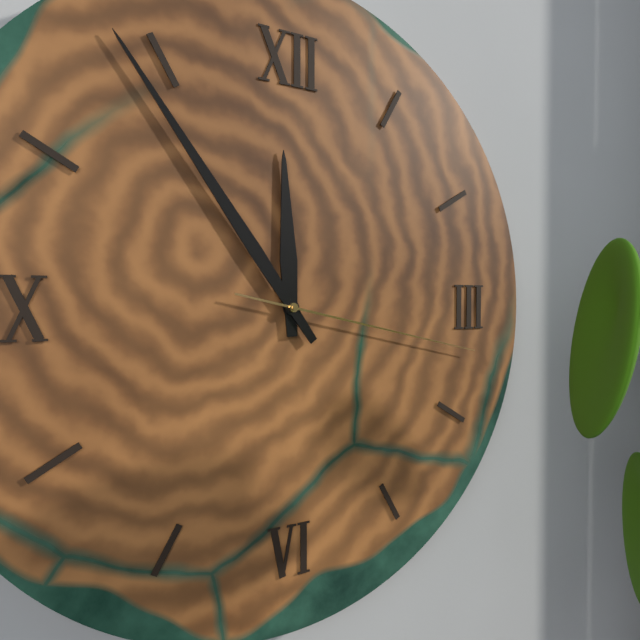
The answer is 11,54,17
